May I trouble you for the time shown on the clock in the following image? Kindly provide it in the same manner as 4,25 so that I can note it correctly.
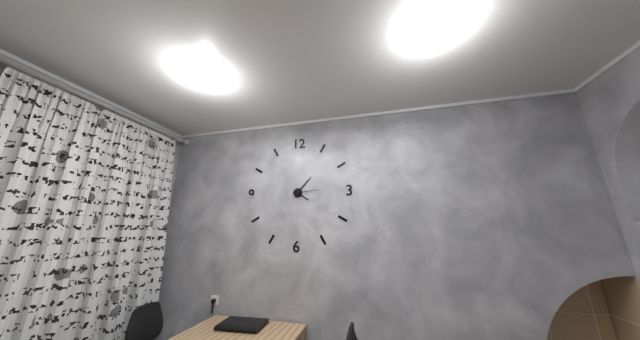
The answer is 4,07
